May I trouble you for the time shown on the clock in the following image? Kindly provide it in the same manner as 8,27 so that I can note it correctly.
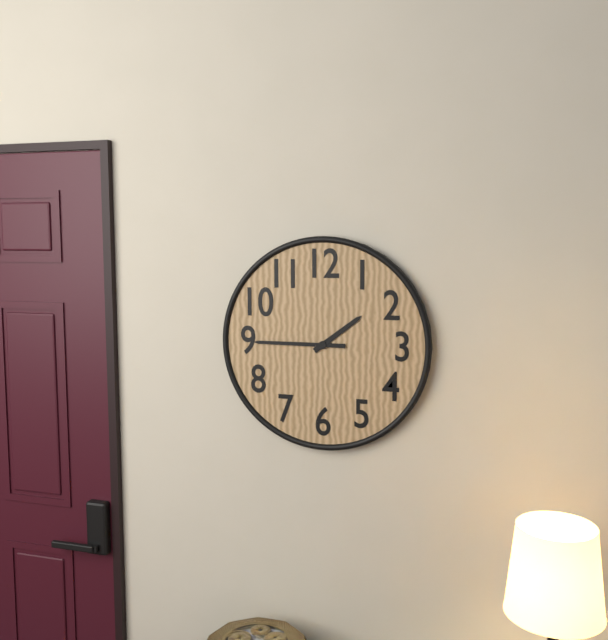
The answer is 1,45
